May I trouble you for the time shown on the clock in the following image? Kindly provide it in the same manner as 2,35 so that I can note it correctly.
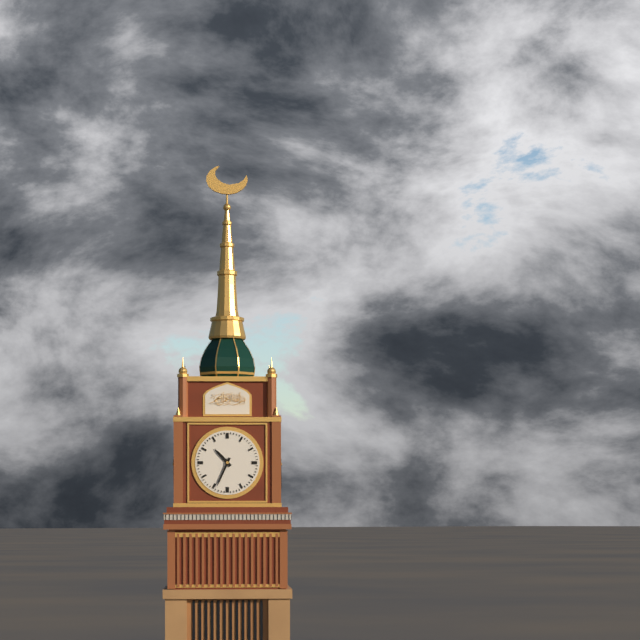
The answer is 10,34
